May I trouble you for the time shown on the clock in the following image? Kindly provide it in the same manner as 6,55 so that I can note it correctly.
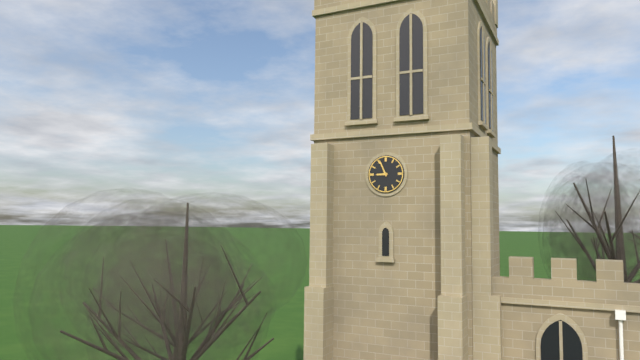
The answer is 8,56
